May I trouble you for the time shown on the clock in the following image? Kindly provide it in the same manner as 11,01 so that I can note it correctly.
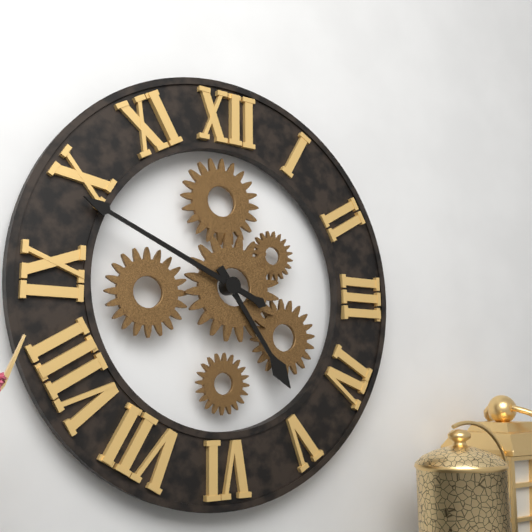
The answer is 4,49
